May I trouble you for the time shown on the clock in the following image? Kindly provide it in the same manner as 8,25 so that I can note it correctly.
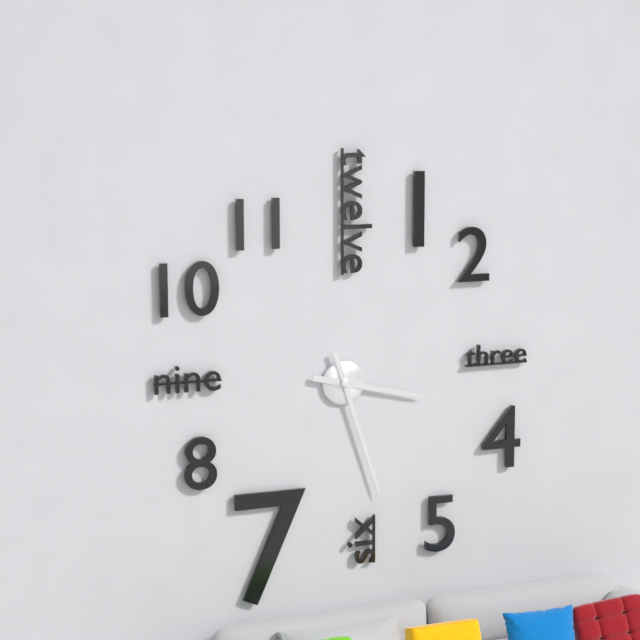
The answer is 3,27
